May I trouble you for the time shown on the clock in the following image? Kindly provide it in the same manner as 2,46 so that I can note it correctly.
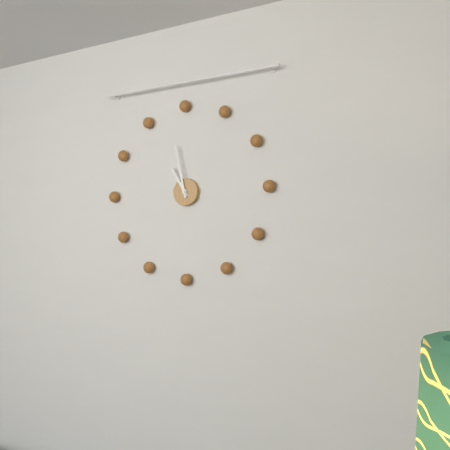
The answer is 10,58
